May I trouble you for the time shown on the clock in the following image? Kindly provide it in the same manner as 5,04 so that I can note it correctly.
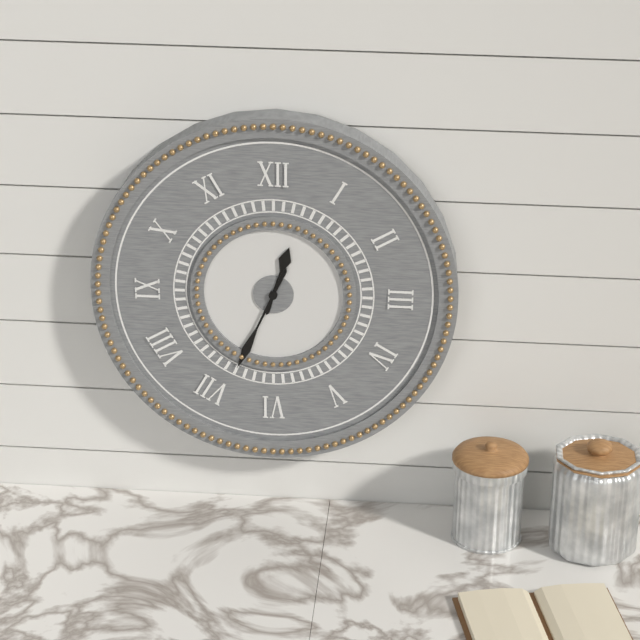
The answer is 12,34
